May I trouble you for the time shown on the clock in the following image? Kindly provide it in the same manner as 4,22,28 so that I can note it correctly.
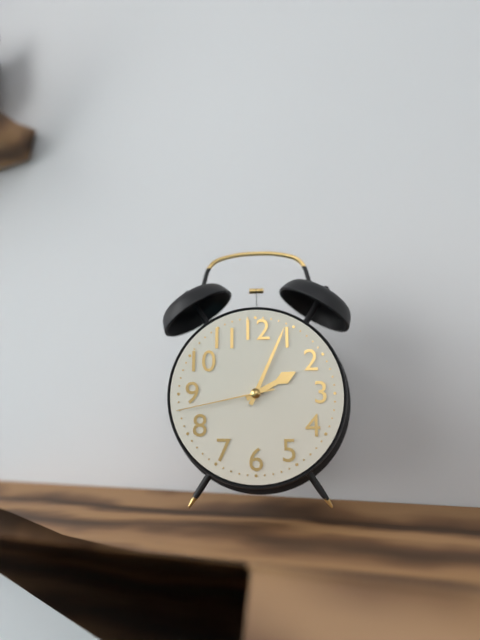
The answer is 2,04,43
